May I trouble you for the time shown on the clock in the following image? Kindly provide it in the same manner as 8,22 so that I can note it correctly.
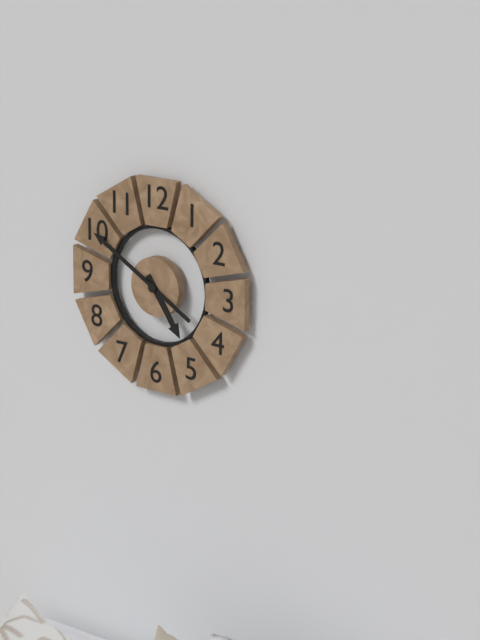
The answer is 4,50
